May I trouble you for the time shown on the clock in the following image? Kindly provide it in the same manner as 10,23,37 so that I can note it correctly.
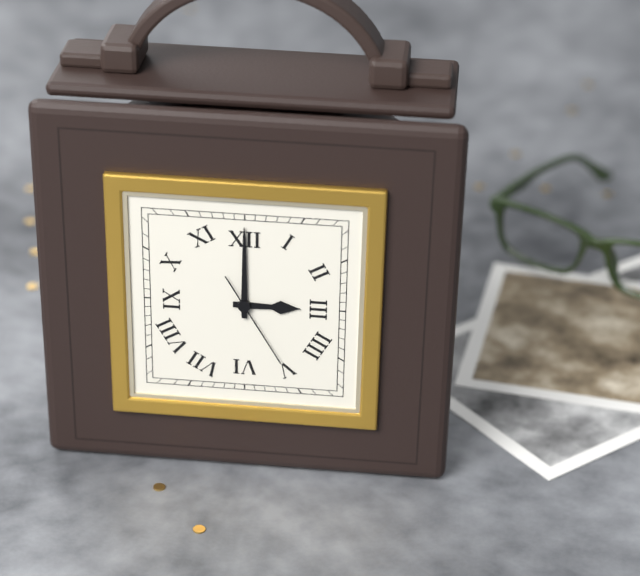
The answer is 3,00,25
